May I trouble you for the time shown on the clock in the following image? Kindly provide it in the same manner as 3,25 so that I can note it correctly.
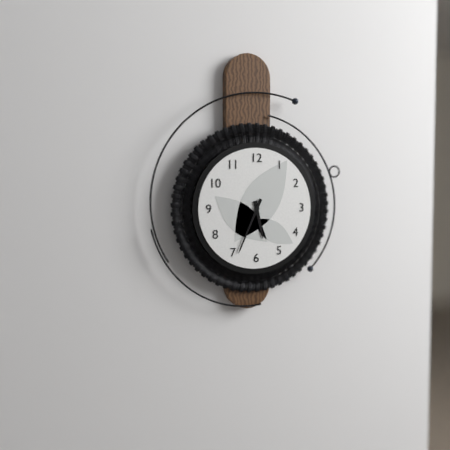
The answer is 5,34
